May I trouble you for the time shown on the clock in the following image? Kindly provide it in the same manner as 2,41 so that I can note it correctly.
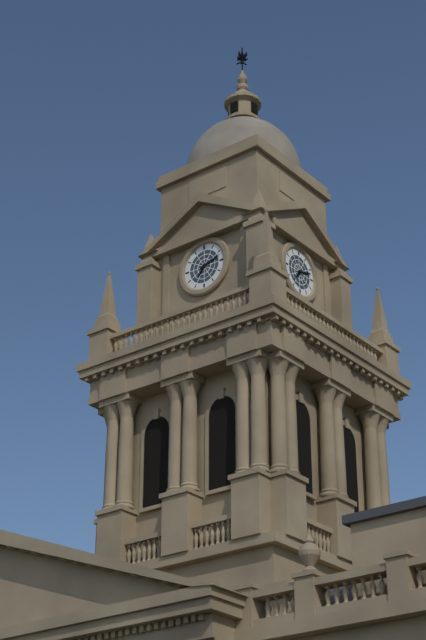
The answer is 7,12
